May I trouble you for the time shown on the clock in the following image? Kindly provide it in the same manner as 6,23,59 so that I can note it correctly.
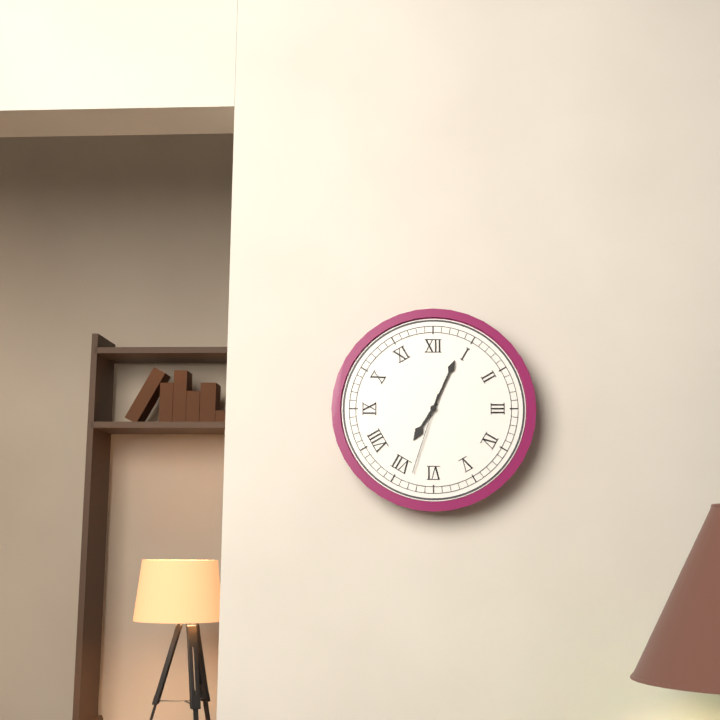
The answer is 7,04,33
